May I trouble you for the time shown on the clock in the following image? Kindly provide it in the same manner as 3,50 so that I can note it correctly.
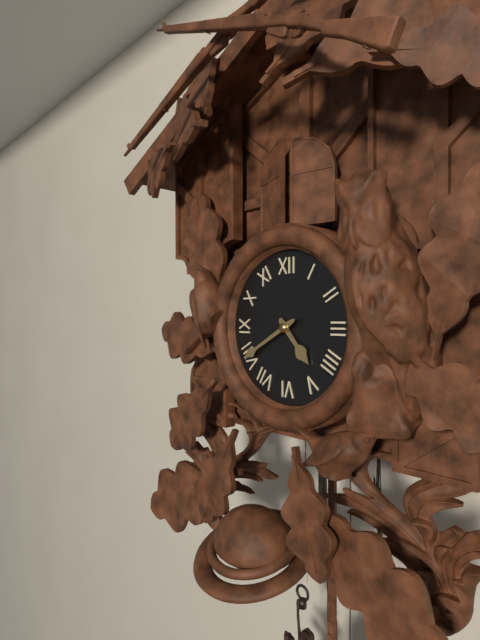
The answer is 4,40
